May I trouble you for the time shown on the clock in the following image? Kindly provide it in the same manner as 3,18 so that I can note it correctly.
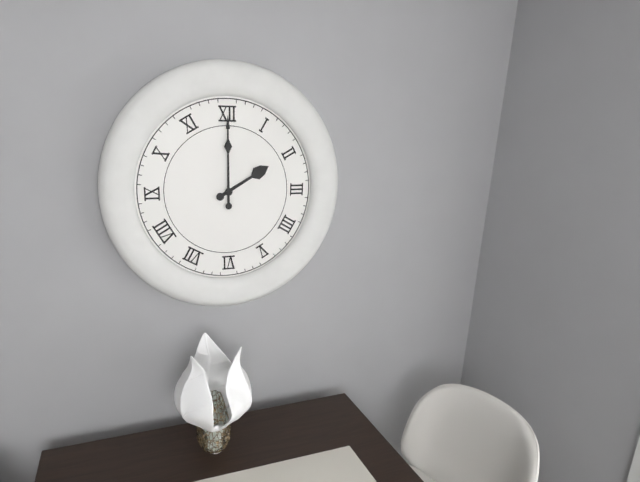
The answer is 2,00
